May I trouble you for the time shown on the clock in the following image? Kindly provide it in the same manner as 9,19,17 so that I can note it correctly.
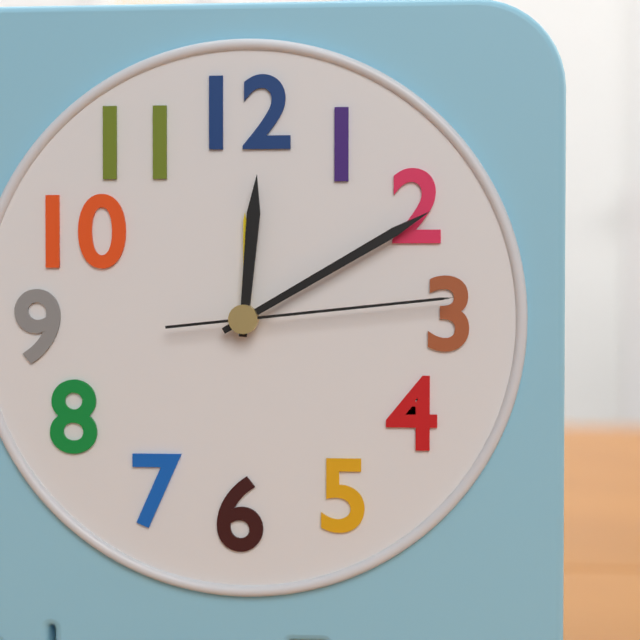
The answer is 12,10,14
